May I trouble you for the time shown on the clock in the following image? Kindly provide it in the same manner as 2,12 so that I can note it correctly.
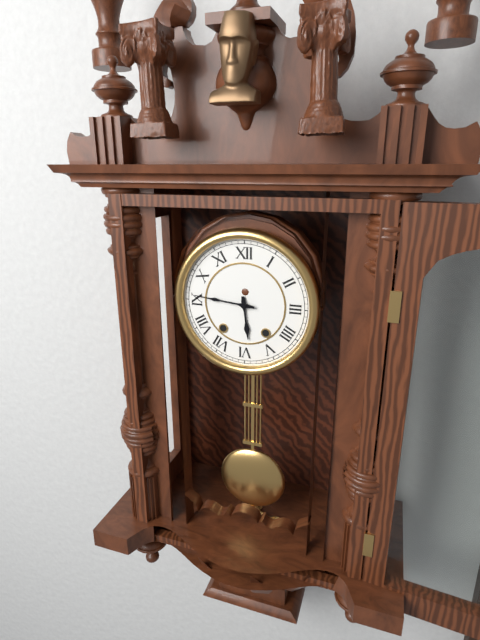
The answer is 5,46
